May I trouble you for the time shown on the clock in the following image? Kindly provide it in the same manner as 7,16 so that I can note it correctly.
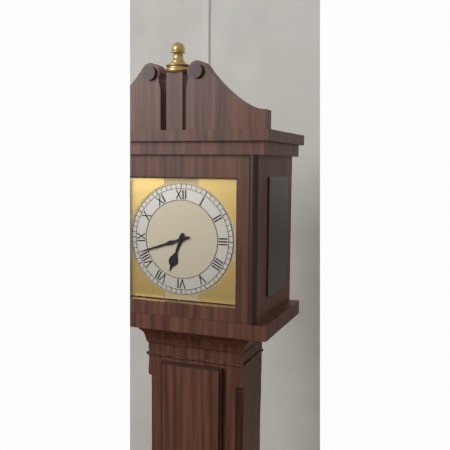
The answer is 6,42
